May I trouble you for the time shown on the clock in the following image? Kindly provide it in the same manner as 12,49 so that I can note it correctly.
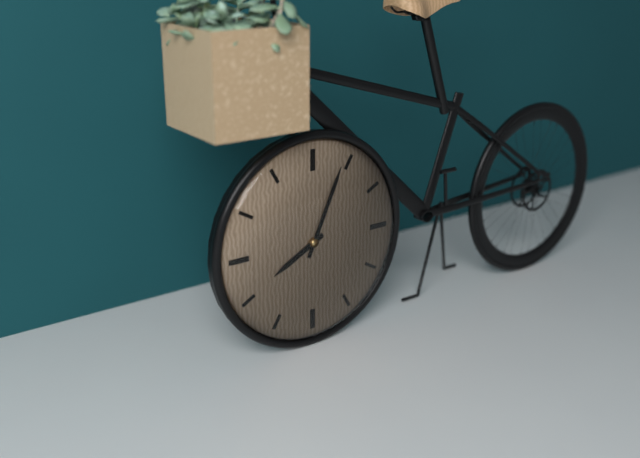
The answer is 8,04
